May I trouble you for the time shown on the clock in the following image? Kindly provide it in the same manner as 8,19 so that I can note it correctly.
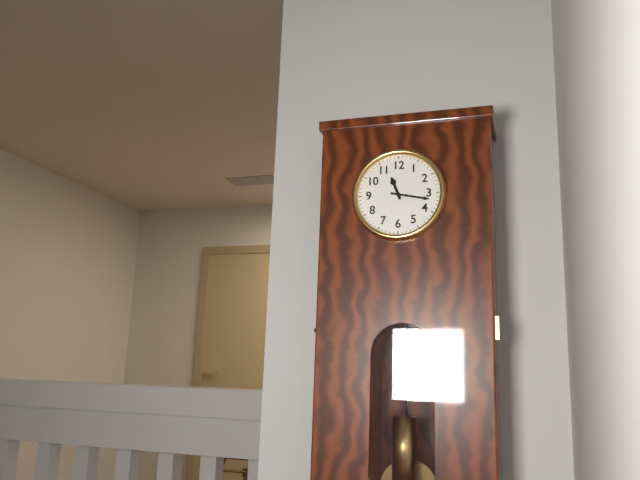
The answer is 11,17
